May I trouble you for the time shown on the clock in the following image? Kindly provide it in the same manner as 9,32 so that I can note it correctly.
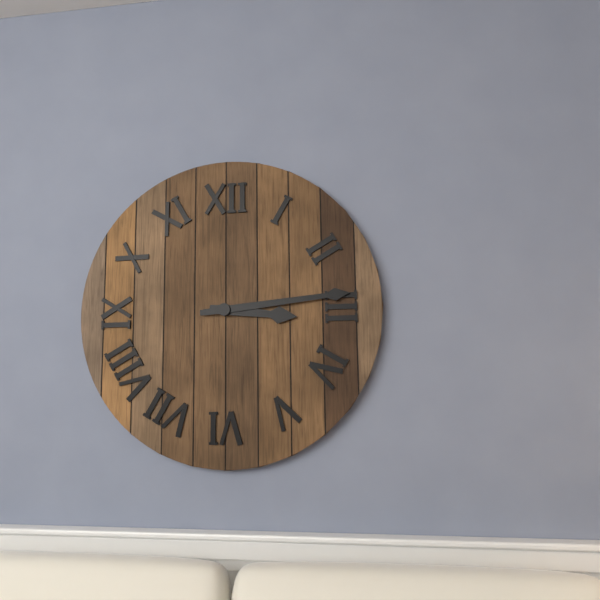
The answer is 3,14
